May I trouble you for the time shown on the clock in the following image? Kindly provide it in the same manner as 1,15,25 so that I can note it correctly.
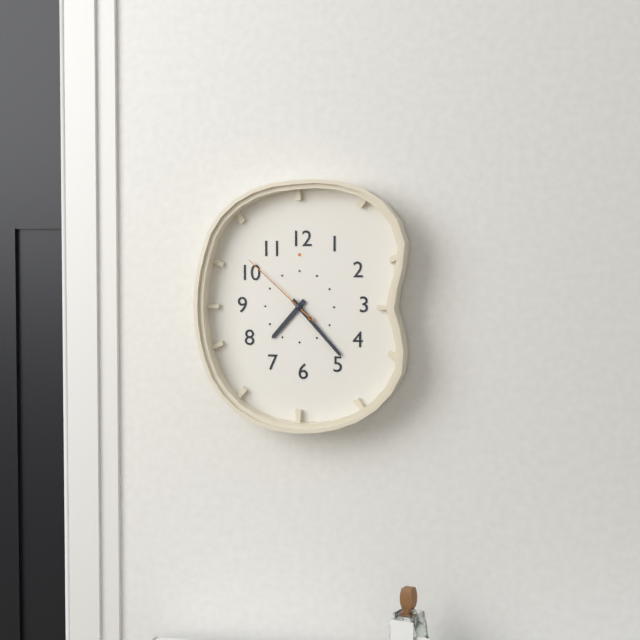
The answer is 7,23,52
